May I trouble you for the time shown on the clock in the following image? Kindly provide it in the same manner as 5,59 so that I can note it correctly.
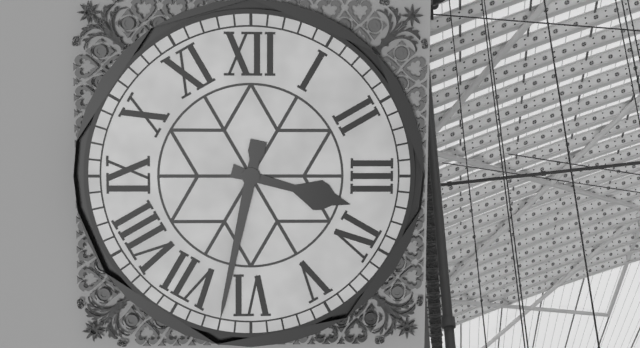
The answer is 3,32
